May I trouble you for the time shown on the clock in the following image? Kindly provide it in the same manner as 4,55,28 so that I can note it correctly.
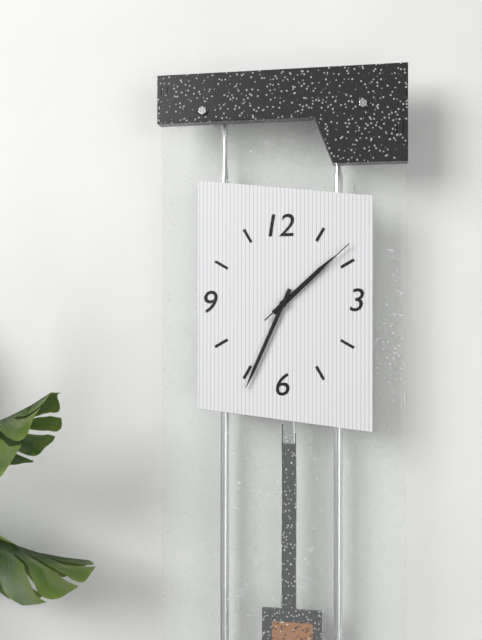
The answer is 1,34,08
